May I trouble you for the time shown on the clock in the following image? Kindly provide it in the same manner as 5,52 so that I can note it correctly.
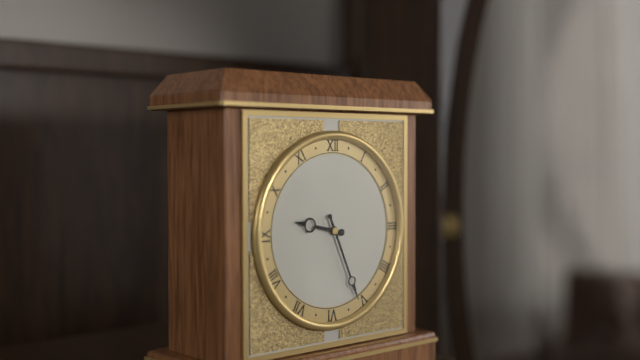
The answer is 9,26
